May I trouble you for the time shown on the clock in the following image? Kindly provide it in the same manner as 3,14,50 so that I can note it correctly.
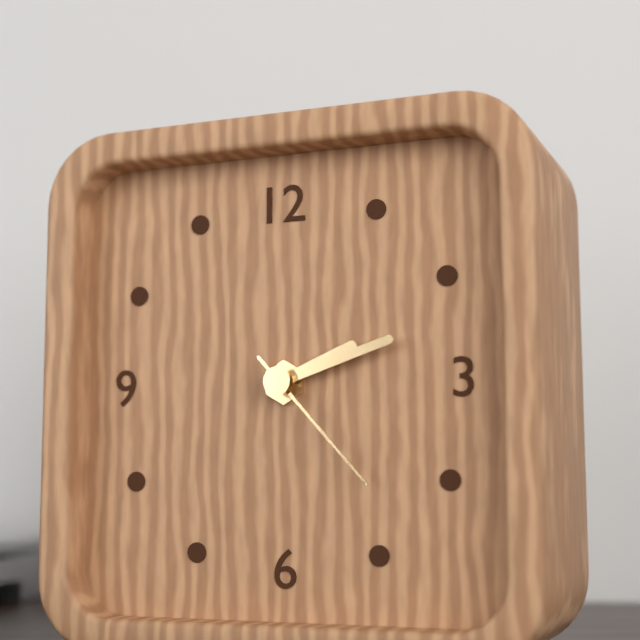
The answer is 2,12,23
